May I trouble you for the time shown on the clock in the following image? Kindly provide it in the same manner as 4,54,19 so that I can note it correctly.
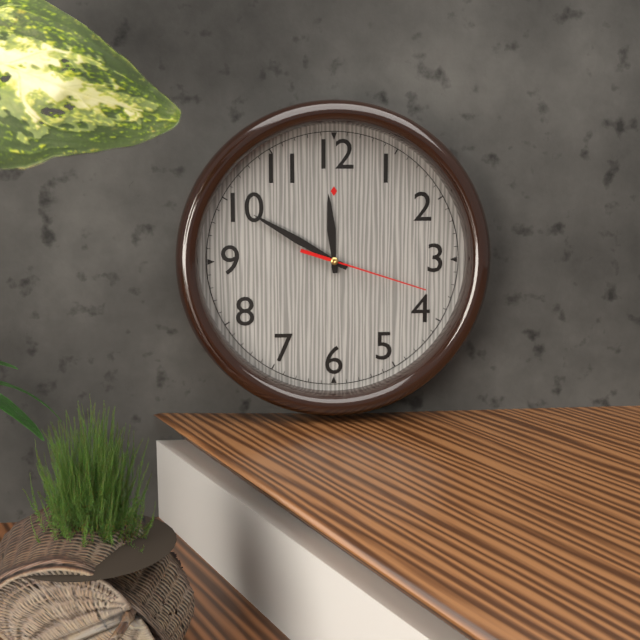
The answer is 11,50,18
